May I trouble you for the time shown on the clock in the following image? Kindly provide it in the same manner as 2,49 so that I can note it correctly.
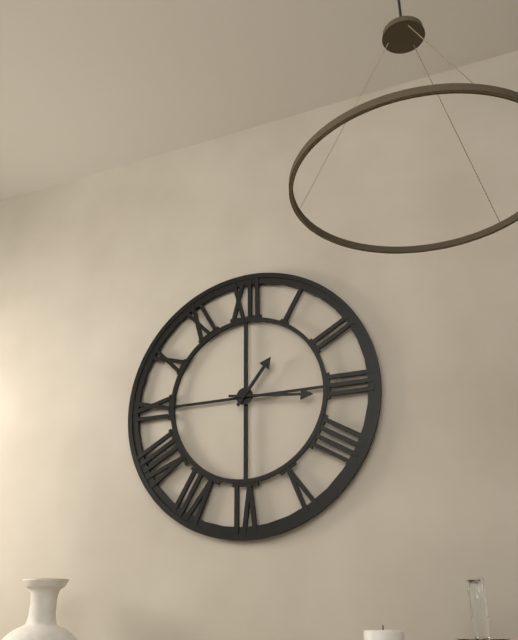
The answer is 1,16
